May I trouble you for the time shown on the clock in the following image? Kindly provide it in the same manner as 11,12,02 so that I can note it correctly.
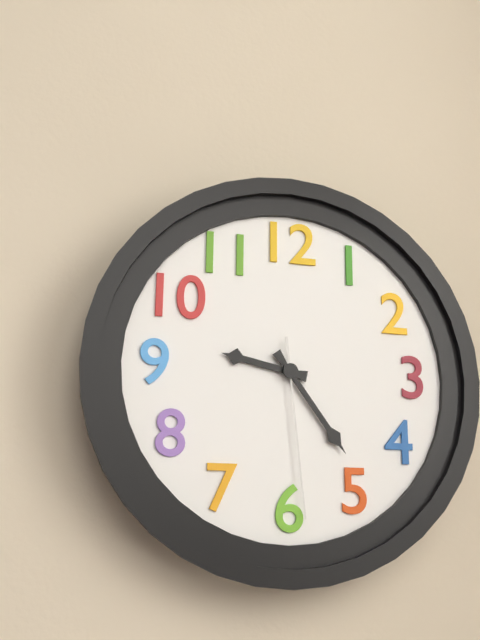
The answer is 9,24,29
